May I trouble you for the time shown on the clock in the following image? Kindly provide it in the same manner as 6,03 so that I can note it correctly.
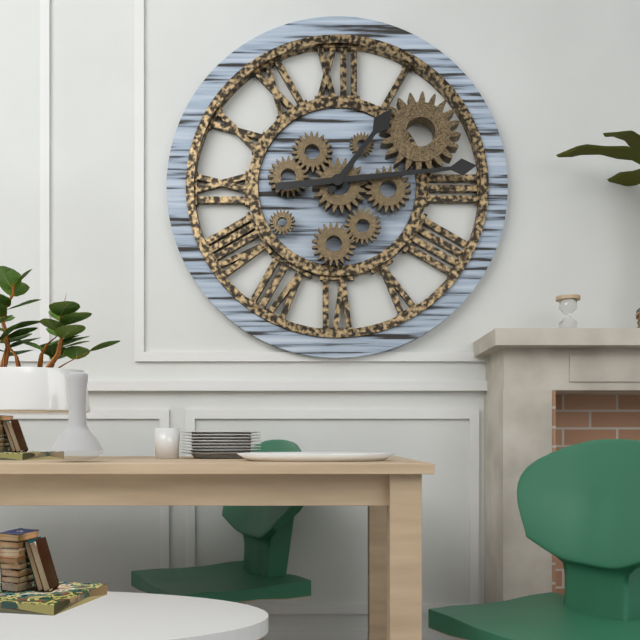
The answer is 1,14
